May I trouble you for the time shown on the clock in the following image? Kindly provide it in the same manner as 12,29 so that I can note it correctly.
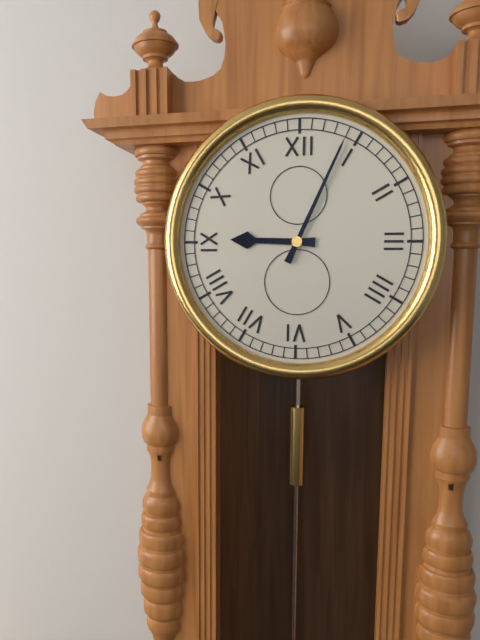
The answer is 9,04
